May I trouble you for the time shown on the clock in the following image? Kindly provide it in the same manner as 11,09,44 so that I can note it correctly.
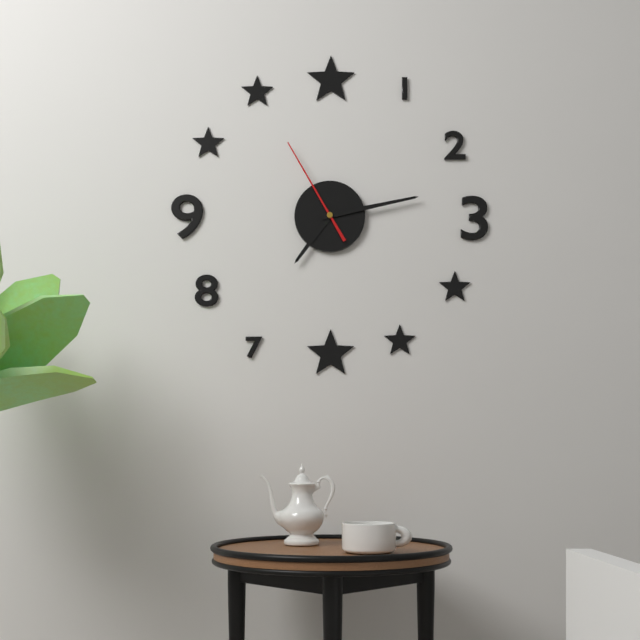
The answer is 7,13,55
